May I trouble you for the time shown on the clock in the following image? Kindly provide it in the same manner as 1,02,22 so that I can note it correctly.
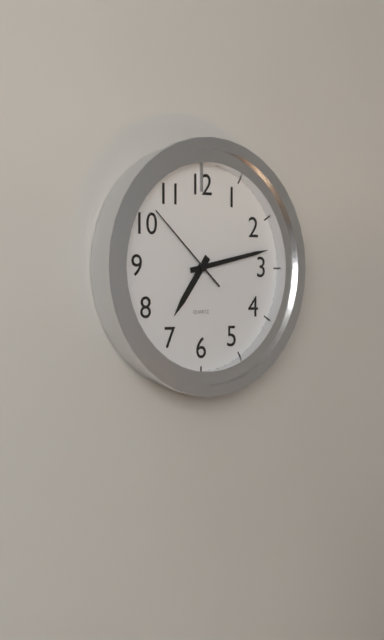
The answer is 7,13,52
